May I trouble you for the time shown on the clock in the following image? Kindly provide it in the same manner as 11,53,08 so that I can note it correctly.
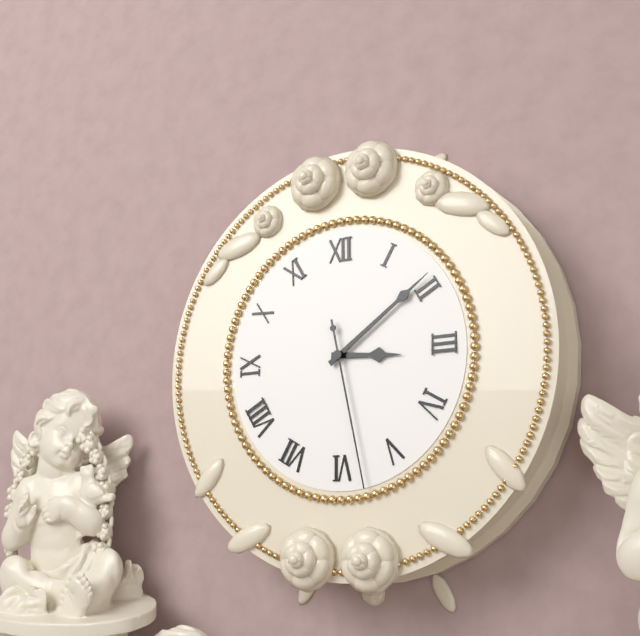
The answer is 3,09,28
